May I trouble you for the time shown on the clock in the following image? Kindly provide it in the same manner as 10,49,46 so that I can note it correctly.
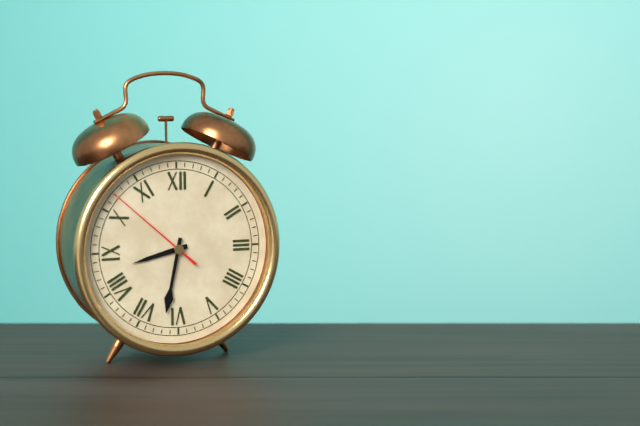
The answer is 8,32,52
